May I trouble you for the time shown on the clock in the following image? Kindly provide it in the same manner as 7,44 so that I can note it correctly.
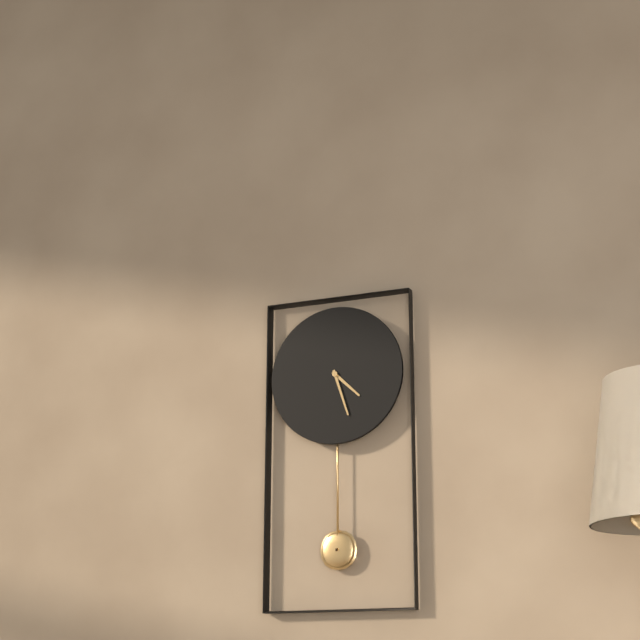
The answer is 4,27
